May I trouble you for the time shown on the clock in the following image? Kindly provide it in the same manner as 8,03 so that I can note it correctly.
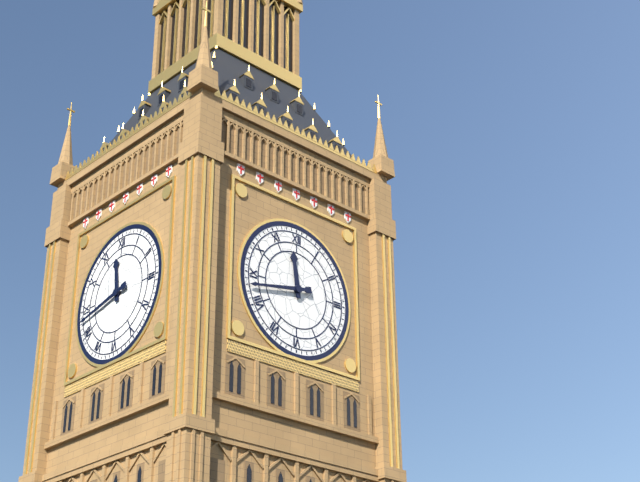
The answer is 11,43
